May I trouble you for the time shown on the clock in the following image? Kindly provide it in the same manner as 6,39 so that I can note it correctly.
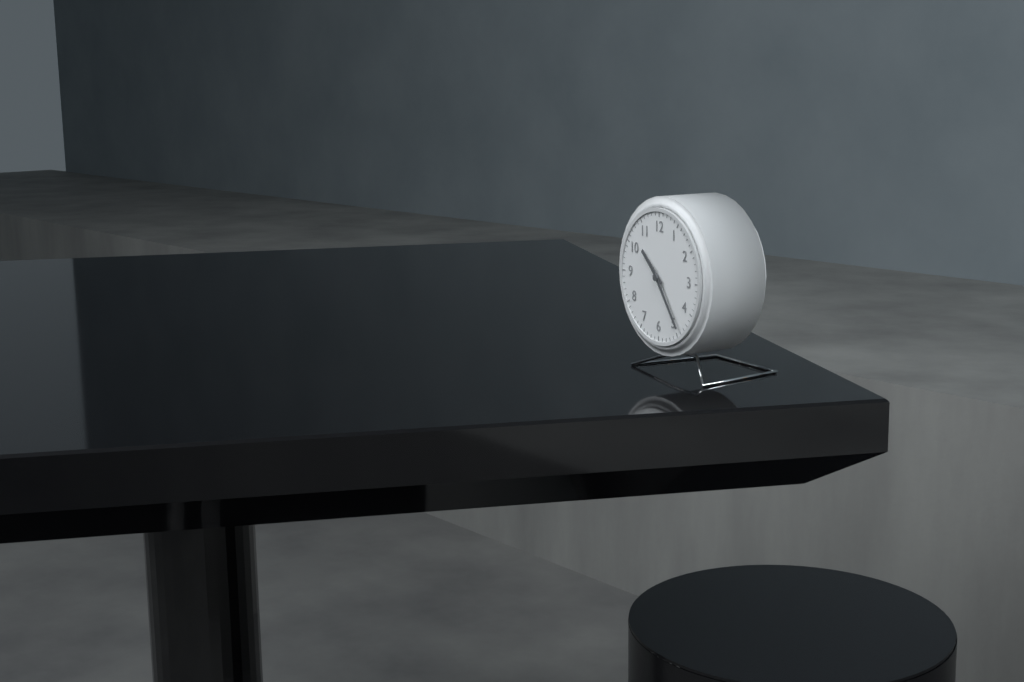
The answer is 10,24
